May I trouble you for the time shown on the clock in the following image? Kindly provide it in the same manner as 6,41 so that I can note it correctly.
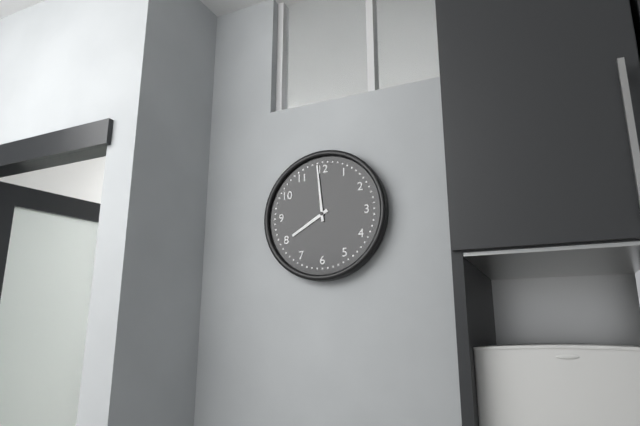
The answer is 7,59
